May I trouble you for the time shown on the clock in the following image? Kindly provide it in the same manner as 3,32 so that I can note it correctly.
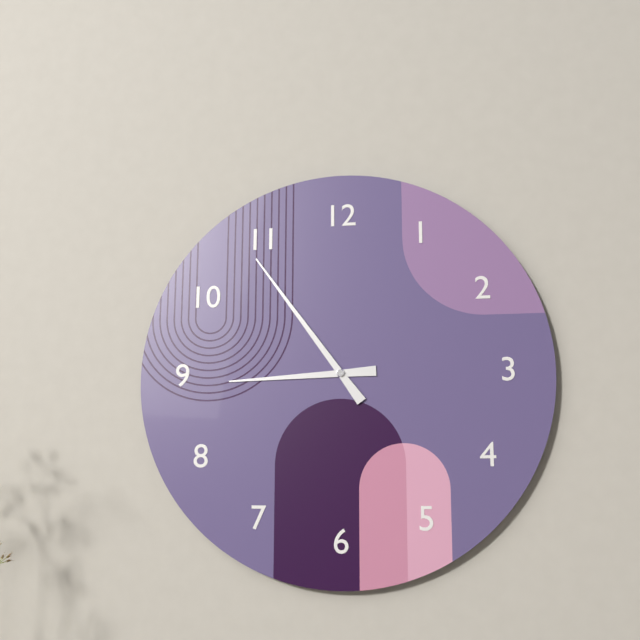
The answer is 8,54
